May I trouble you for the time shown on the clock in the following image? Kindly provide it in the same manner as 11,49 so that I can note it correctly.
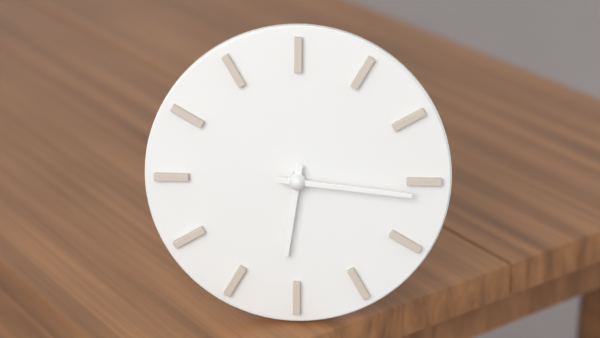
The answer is 6,16
